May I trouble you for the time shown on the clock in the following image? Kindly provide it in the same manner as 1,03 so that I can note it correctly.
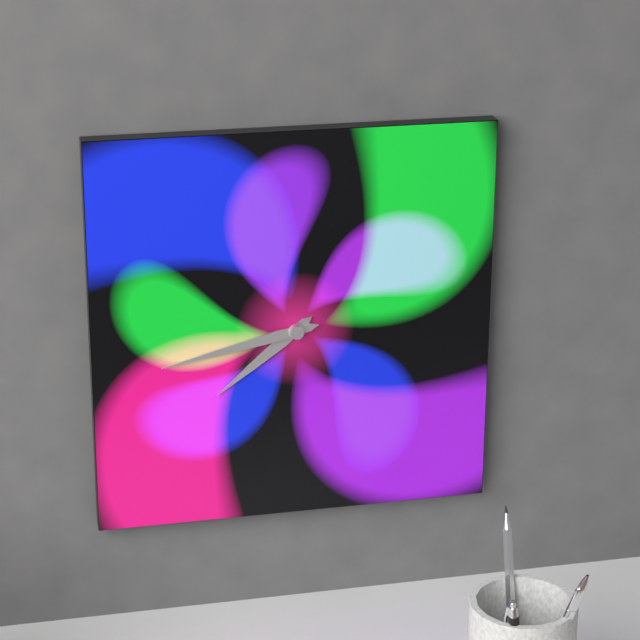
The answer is 7,43
